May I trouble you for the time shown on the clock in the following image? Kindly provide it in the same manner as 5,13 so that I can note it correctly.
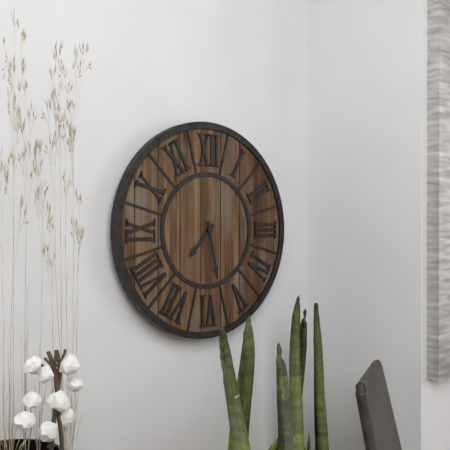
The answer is 7,28
